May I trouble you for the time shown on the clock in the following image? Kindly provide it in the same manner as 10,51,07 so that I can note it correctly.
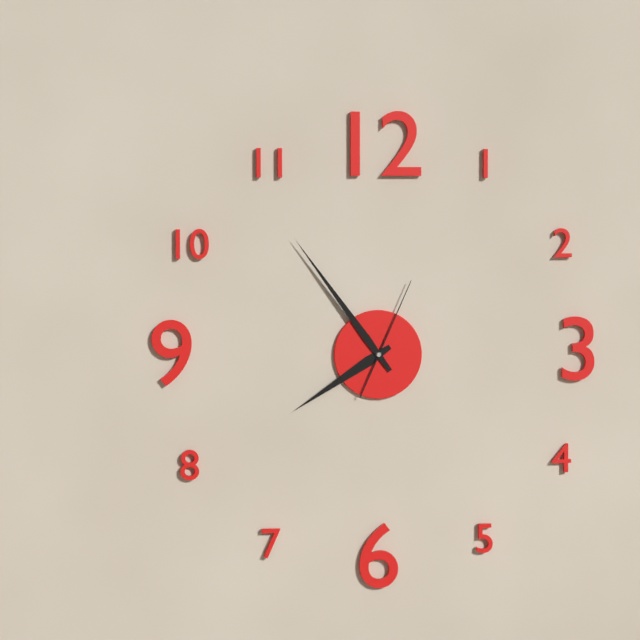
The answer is 7,54,04
